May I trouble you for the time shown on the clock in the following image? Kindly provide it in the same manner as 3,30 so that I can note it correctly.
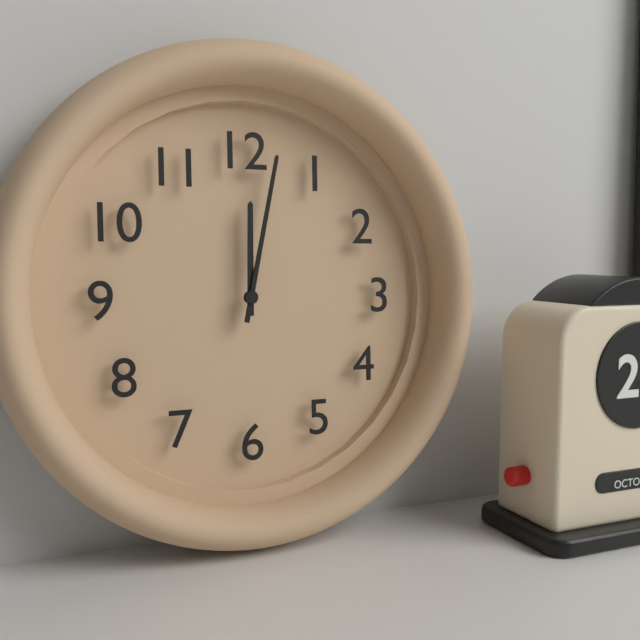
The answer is 12,02
